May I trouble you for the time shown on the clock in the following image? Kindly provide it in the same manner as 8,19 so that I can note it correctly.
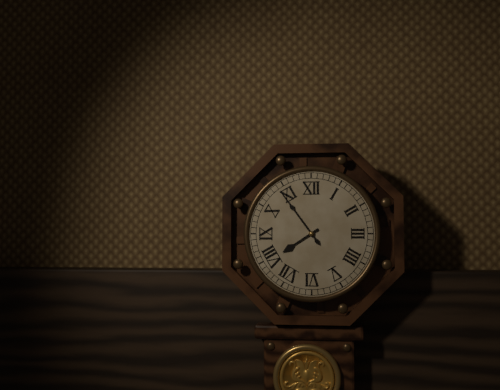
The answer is 7,54
